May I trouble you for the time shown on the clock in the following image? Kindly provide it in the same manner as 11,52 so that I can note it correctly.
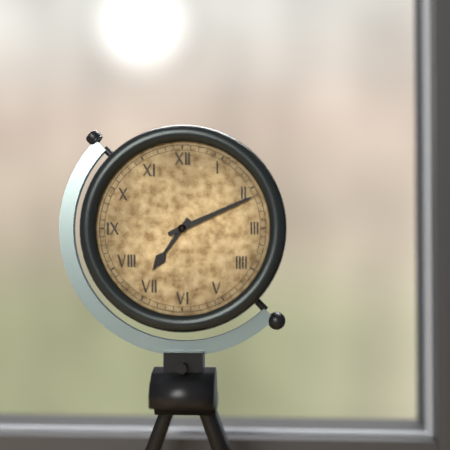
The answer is 7,11
